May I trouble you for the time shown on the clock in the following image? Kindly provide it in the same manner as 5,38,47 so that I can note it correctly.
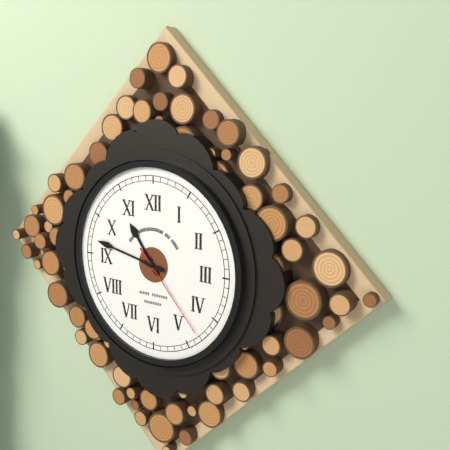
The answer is 10,47,23
